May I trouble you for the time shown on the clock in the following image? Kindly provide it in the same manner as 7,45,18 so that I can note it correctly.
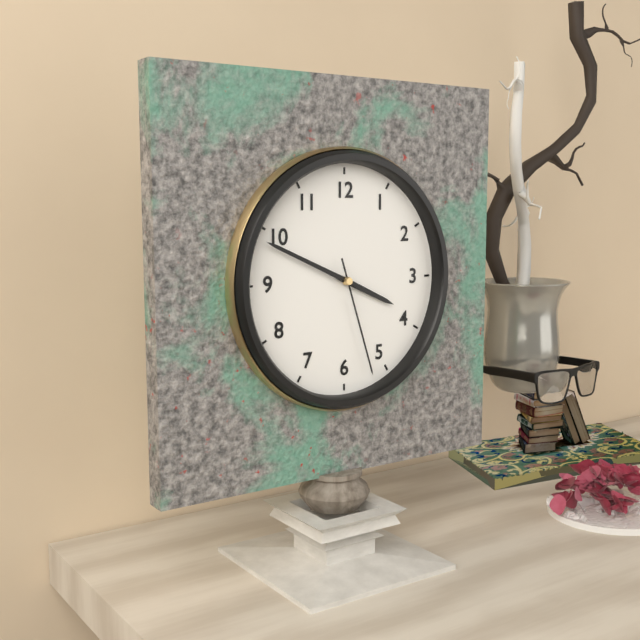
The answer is 3,49,27
